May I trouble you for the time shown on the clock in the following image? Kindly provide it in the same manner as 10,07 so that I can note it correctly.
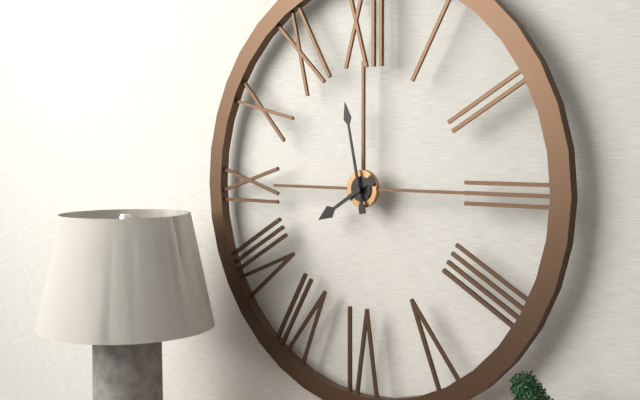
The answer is 7,58
